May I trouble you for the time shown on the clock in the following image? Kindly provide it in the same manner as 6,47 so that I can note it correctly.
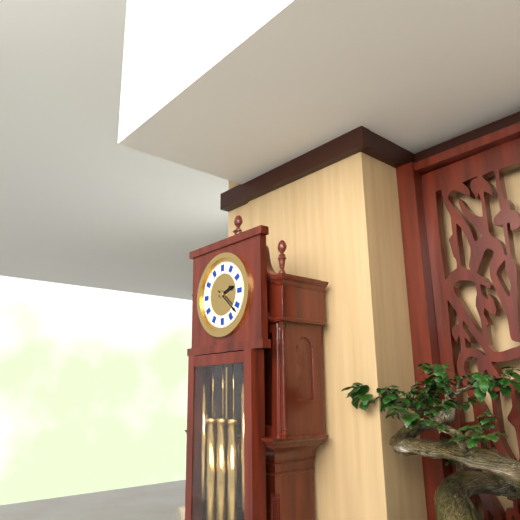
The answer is 2,22
